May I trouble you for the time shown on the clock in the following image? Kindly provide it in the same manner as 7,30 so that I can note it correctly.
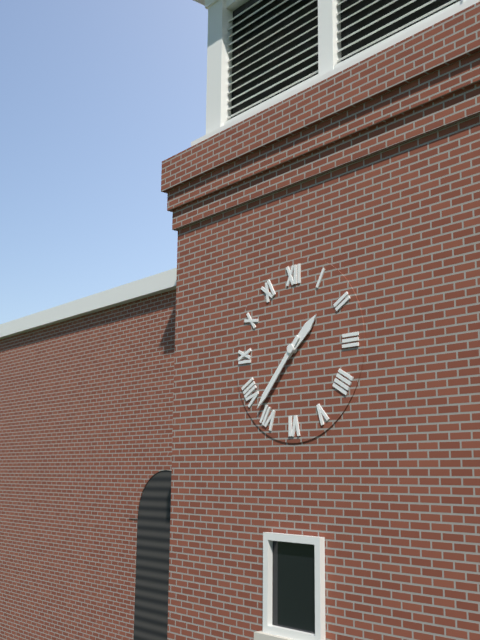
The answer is 1,37
